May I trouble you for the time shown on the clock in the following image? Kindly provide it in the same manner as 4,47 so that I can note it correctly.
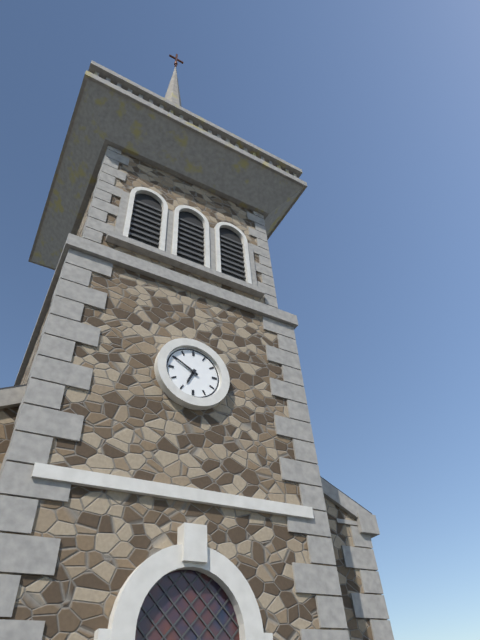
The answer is 6,50
